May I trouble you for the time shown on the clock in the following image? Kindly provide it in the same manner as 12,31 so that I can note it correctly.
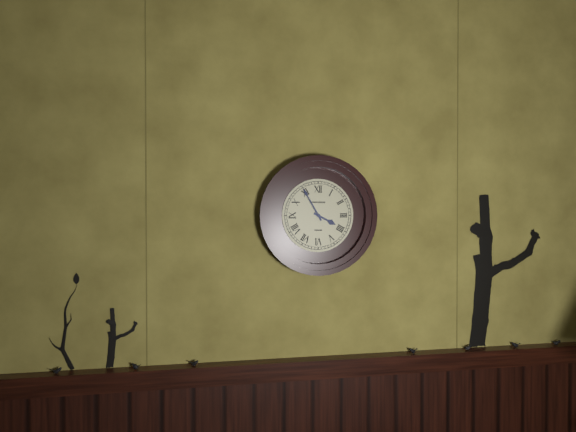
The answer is 3,55
